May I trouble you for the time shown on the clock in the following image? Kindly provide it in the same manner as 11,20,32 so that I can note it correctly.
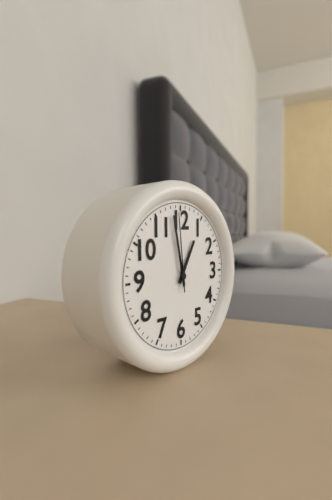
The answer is 12,58,59
